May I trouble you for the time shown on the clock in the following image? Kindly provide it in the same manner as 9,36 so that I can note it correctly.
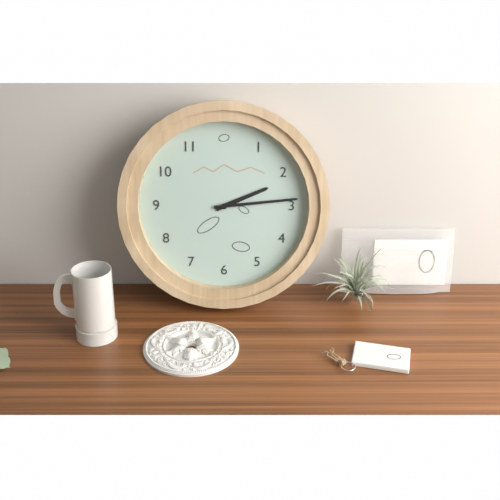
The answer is 2,14
